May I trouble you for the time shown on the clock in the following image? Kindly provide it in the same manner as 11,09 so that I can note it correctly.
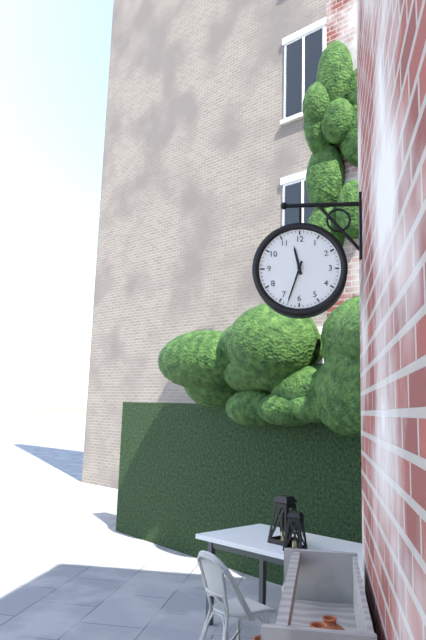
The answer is 11,33
